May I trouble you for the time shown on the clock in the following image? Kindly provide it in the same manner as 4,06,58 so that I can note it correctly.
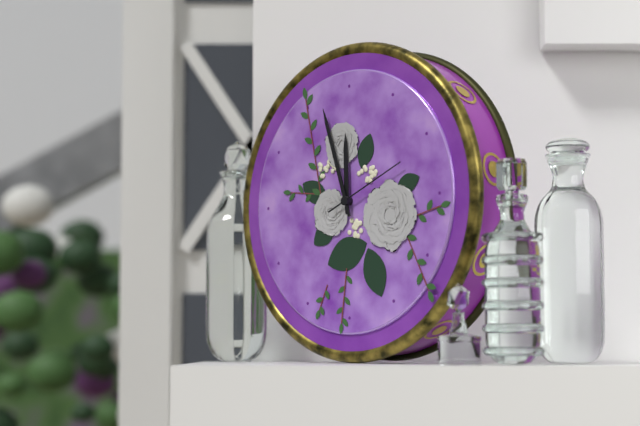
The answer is 11,57,11
